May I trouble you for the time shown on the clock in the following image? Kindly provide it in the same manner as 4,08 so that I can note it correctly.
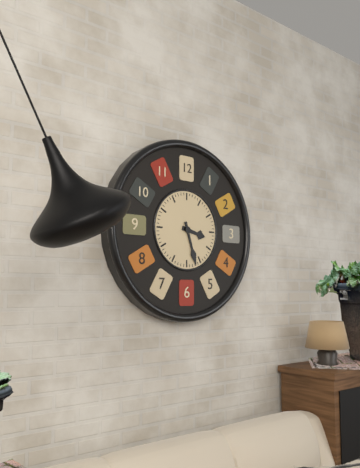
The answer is 3,27
